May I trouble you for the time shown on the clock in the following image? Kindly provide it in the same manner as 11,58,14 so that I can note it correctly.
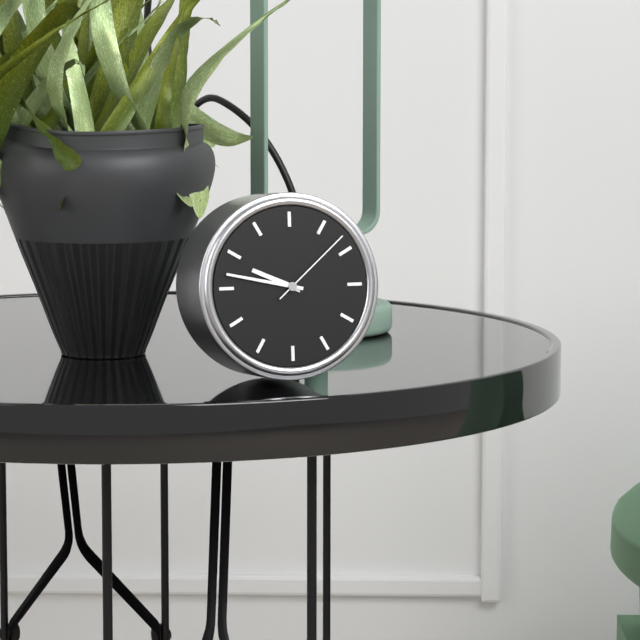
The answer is 9,47,08
